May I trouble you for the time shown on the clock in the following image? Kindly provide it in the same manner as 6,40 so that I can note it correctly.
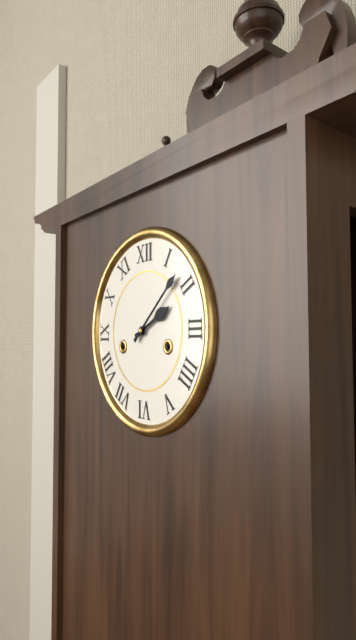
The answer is 2,08
